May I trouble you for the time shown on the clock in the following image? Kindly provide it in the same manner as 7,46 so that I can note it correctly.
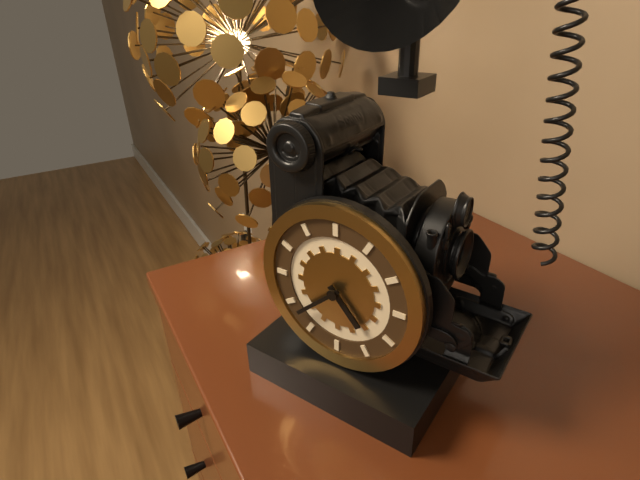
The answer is 4,38
